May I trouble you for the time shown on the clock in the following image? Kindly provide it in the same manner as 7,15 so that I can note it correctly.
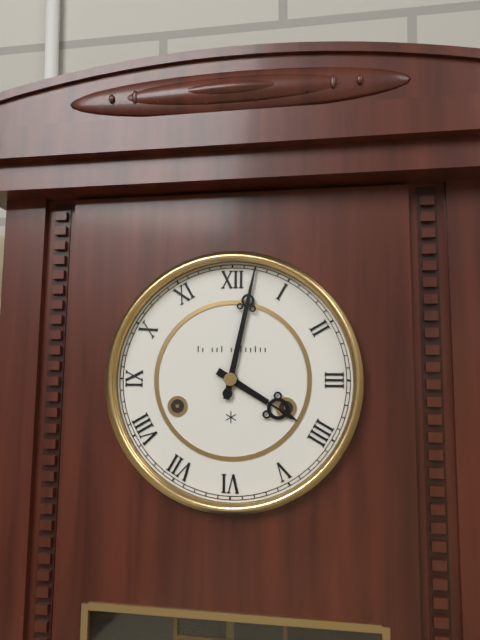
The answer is 4,02
